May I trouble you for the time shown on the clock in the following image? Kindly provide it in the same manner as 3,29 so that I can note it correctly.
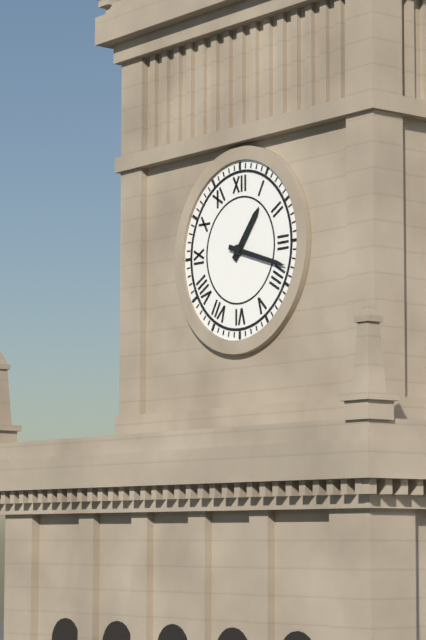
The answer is 1,18
